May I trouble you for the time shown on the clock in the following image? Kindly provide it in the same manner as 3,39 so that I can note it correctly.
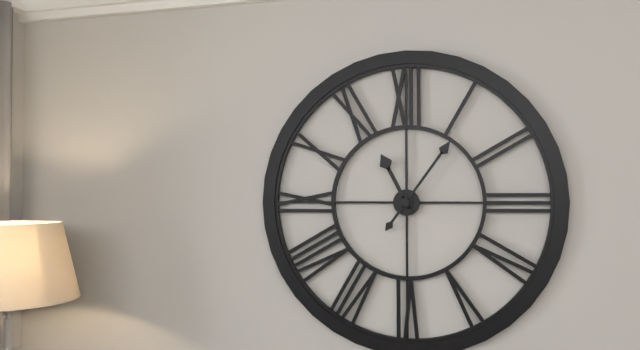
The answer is 11,06
